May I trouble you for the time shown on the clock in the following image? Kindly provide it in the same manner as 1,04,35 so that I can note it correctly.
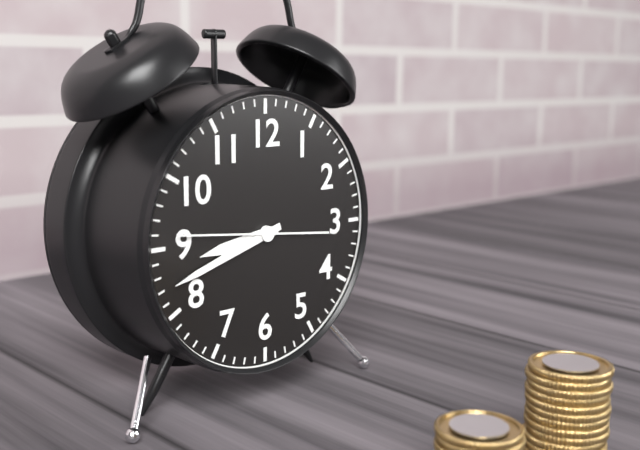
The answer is 8,42,46
